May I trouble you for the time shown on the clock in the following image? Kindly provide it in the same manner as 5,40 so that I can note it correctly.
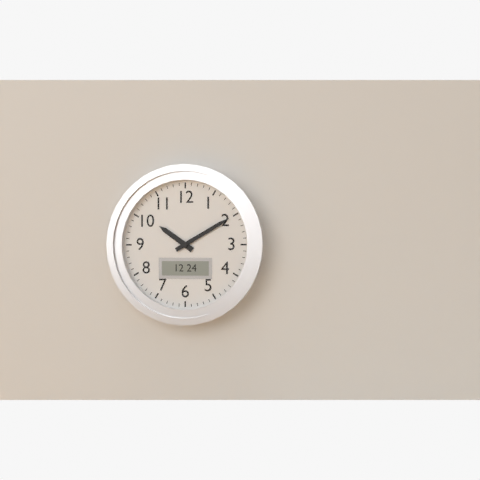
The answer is 10,10
